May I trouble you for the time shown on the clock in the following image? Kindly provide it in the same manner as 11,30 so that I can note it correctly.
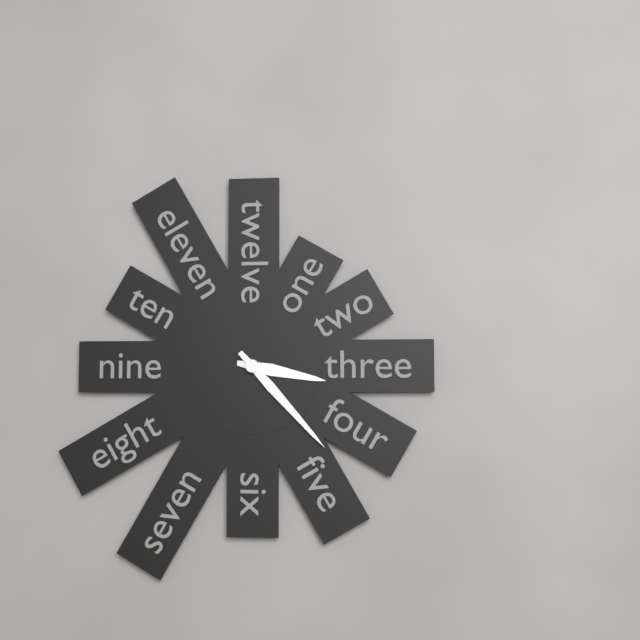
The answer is 3,23
